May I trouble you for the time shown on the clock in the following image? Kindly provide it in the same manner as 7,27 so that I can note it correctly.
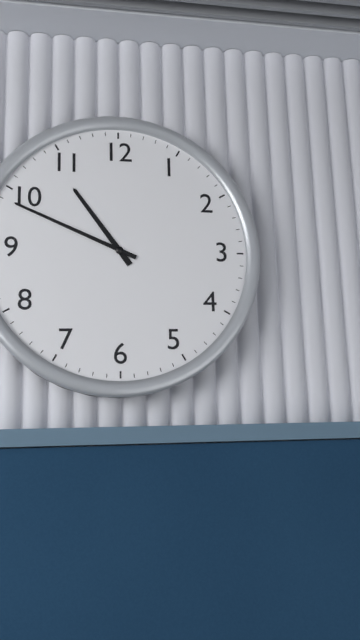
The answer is 10,49
